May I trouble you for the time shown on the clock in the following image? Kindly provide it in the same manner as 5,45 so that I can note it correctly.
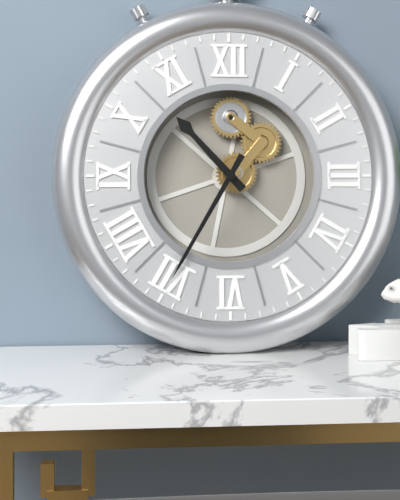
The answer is 10,35
